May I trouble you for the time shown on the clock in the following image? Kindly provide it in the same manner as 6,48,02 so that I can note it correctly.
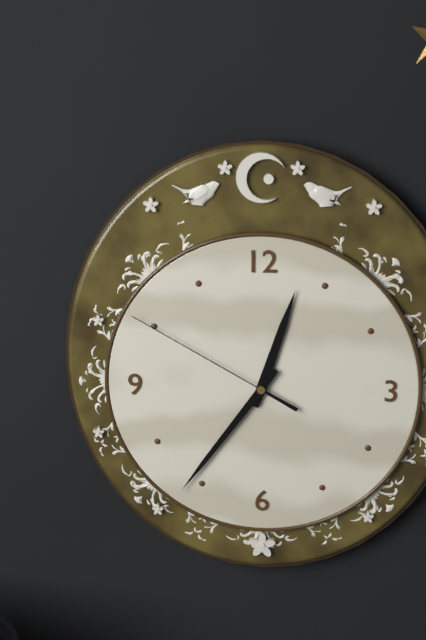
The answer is 12,36,50
